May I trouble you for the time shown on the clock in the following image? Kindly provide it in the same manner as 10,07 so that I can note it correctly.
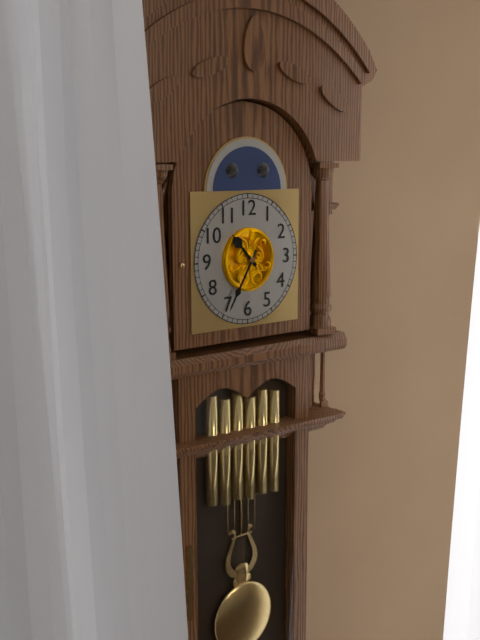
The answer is 10,35
